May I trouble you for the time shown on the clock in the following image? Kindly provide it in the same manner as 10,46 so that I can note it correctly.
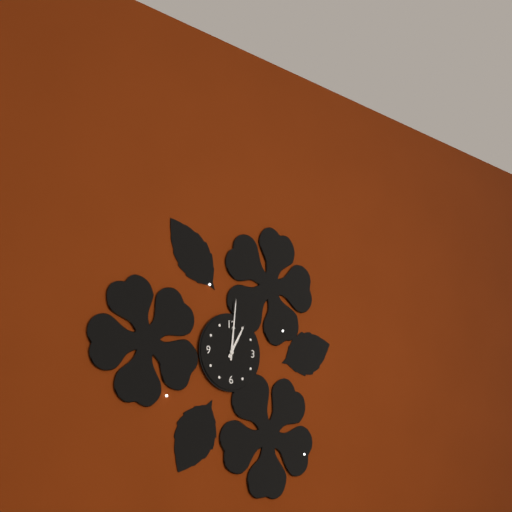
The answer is 1,01
